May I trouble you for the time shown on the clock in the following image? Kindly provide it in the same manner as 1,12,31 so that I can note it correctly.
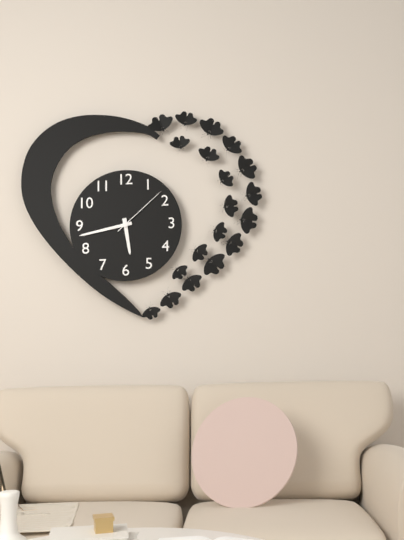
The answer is 5,43,08
